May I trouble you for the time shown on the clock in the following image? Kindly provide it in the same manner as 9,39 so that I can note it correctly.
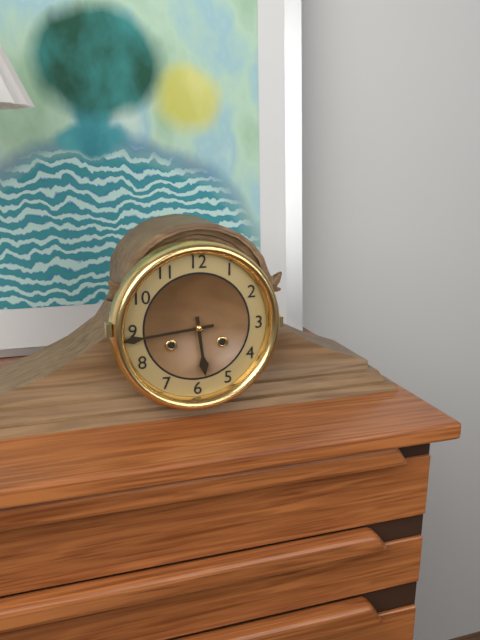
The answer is 5,44
